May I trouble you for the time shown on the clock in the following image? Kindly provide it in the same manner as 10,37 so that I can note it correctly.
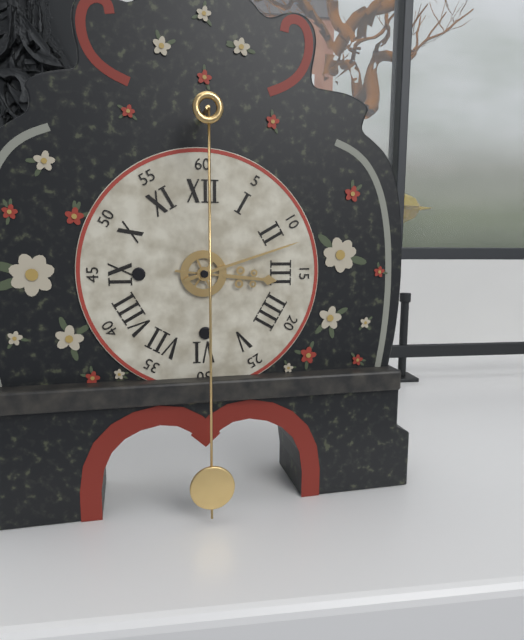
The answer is 3,12
